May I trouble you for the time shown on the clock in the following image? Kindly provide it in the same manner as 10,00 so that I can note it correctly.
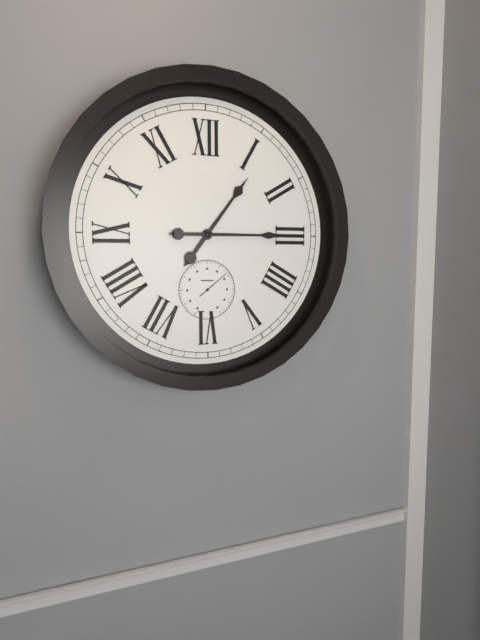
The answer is 1,15
